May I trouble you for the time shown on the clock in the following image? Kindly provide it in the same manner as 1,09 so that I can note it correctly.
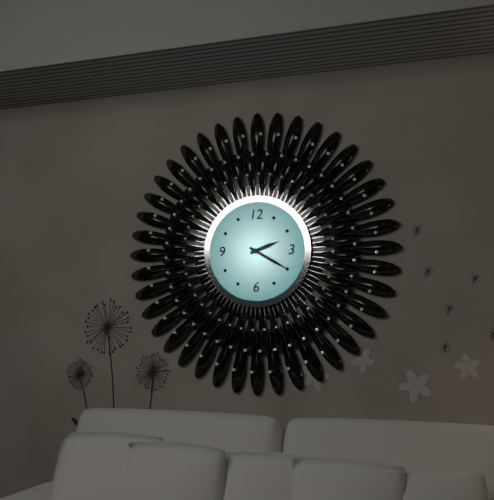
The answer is 2,20
